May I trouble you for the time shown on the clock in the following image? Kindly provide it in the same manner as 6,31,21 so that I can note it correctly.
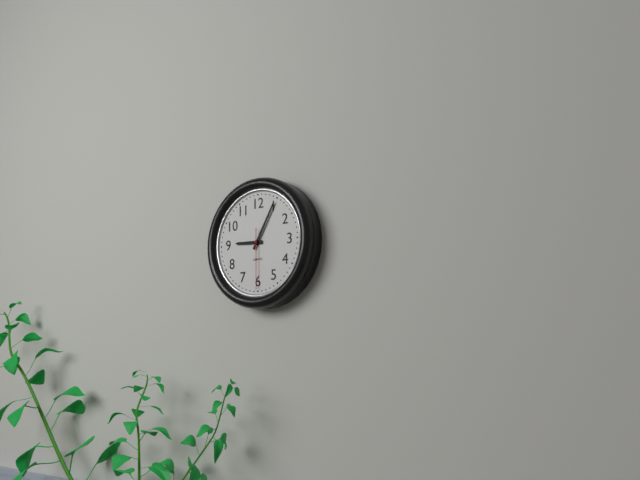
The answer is 9,05,30
